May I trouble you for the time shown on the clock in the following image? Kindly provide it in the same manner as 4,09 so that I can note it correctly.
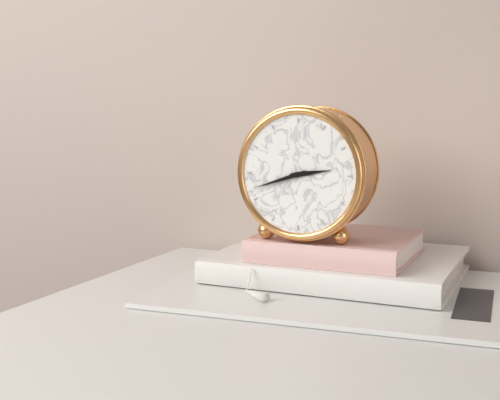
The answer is 2,42
